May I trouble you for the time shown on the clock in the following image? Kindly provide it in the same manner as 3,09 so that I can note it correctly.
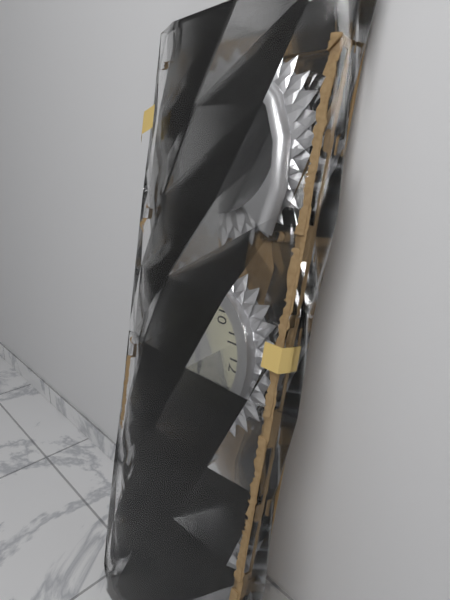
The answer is 2,42
